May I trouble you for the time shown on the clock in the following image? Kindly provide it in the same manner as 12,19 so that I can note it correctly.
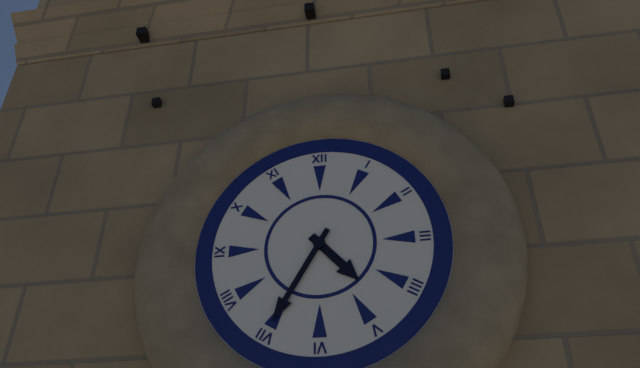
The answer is 4,35
